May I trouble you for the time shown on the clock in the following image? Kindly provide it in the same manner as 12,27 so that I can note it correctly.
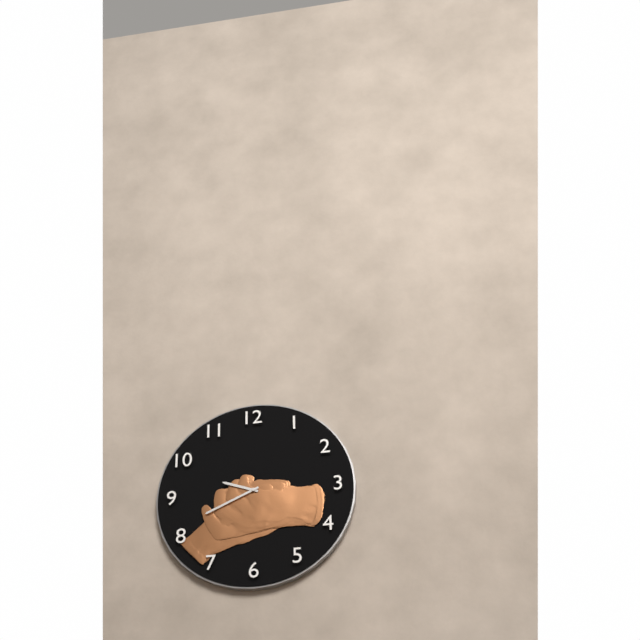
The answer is 9,41
